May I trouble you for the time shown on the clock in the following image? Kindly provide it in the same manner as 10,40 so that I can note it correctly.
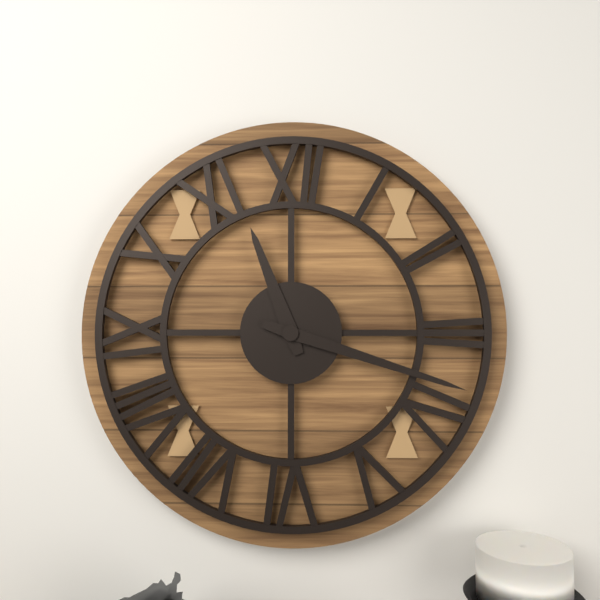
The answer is 11,18
